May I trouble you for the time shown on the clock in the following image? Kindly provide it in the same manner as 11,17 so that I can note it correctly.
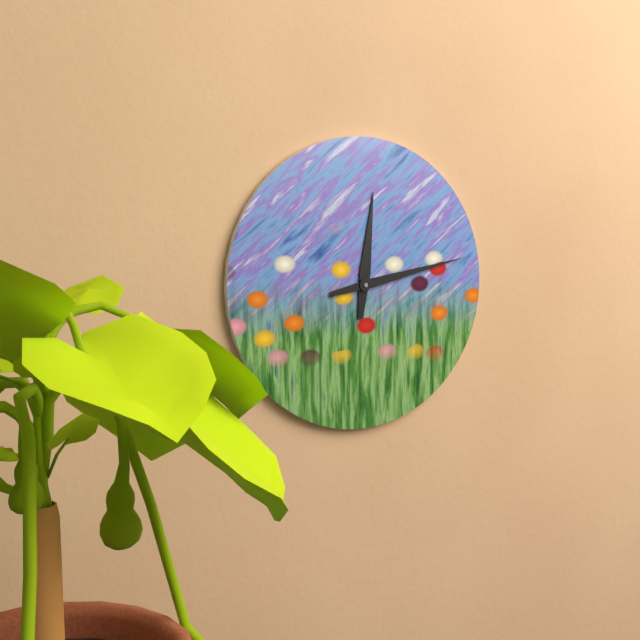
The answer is 12,13
